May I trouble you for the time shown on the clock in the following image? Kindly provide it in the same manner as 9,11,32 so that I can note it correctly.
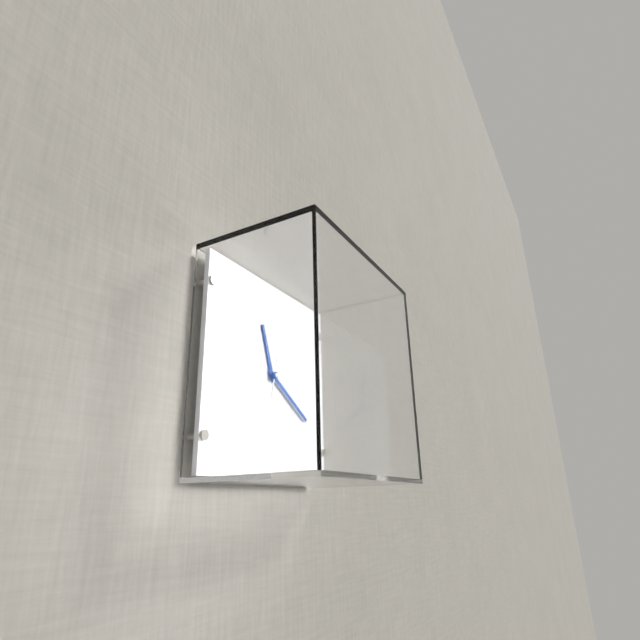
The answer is 11,20,32
